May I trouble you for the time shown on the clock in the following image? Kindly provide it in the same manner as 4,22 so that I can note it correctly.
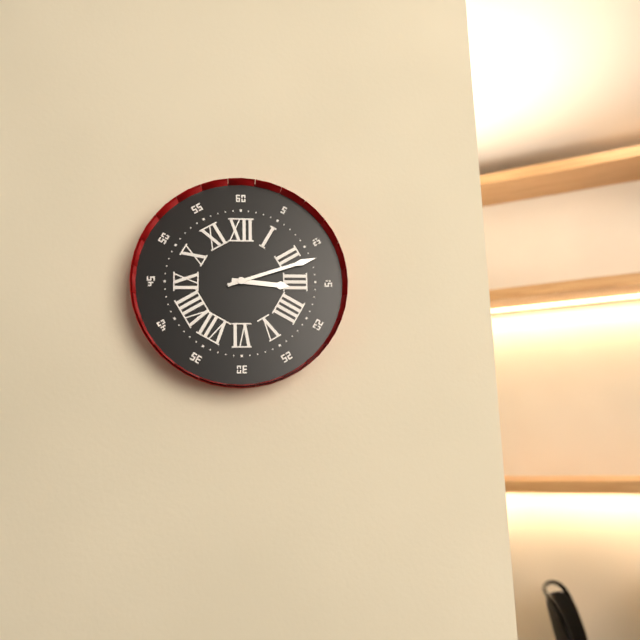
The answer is 3,12
